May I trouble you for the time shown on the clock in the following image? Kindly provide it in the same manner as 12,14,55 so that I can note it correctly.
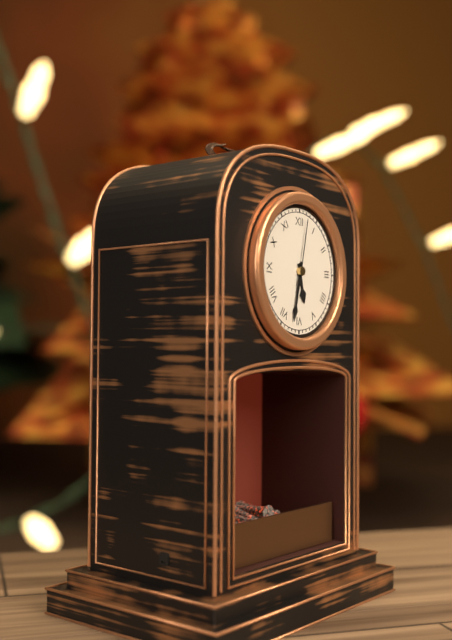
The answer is 5,32,02
